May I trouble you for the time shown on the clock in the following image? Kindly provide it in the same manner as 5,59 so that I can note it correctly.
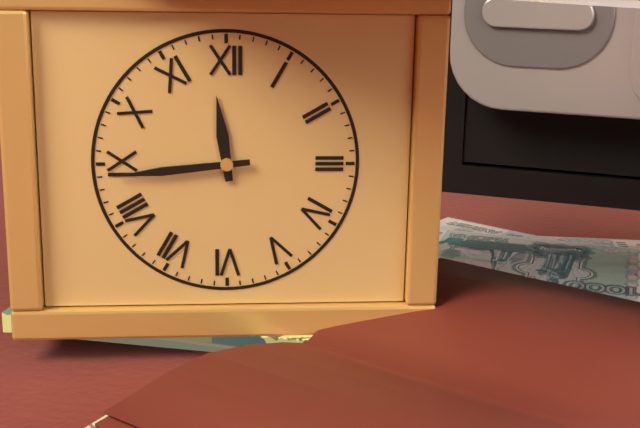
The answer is 11,44
